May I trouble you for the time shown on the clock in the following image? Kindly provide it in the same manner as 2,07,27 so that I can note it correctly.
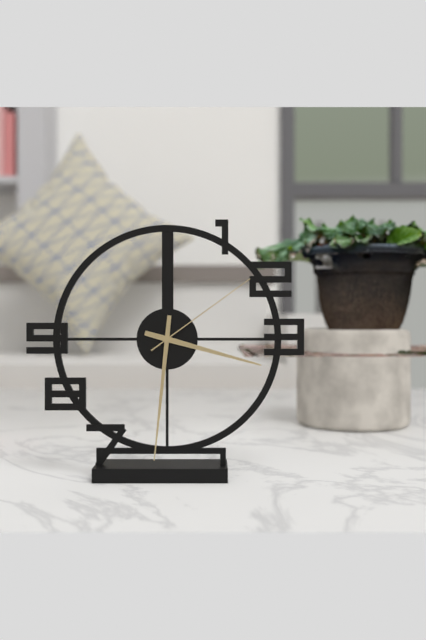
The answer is 3,31,09
